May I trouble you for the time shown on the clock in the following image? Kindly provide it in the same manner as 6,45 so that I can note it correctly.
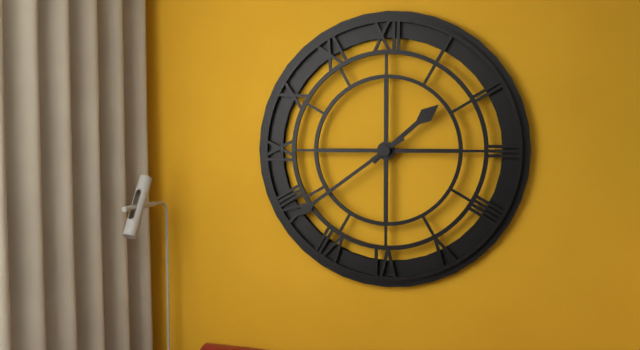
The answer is 1,39
